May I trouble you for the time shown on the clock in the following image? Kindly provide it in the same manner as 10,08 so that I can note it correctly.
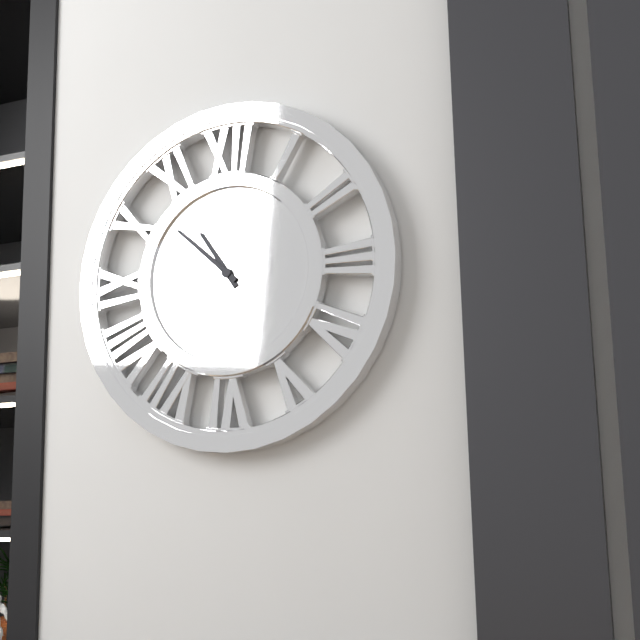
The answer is 10,52
